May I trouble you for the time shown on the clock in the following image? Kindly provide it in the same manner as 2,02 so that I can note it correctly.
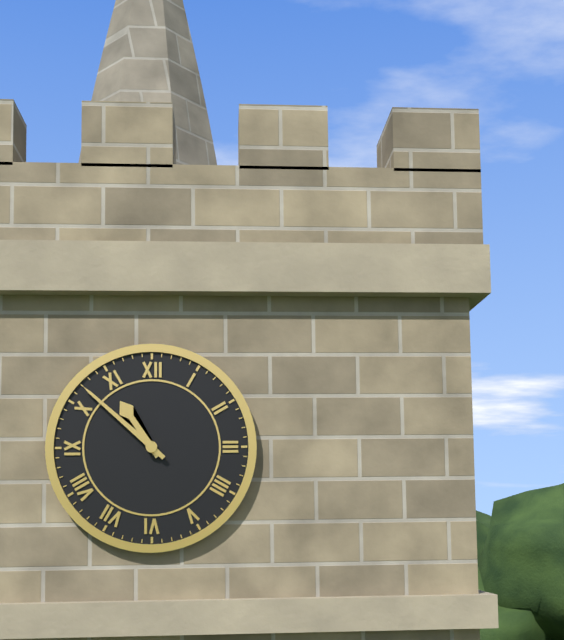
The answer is 10,52
